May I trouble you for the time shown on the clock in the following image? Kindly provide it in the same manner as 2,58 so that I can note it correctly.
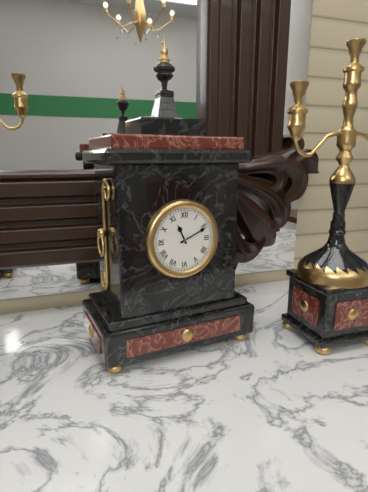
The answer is 11,11
